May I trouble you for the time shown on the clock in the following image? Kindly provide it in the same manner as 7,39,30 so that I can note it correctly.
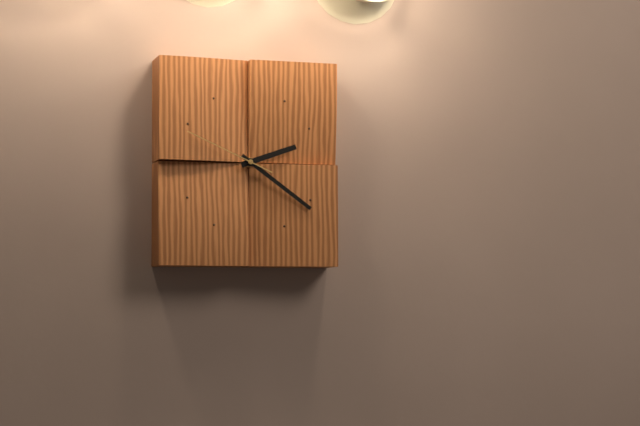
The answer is 2,21,49
